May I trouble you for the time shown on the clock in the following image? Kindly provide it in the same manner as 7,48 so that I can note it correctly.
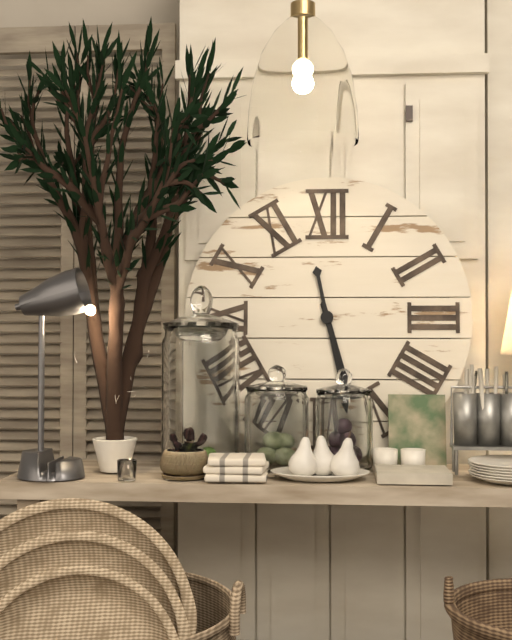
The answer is 5,28
